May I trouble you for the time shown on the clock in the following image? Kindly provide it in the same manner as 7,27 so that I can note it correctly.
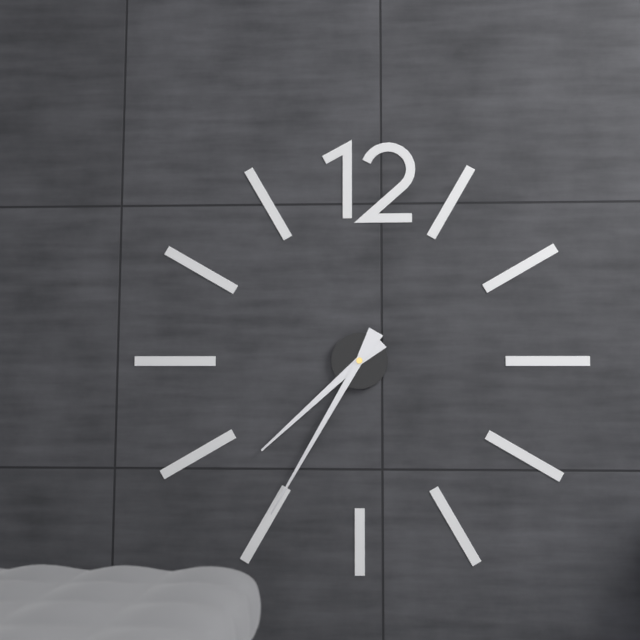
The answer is 7,35
